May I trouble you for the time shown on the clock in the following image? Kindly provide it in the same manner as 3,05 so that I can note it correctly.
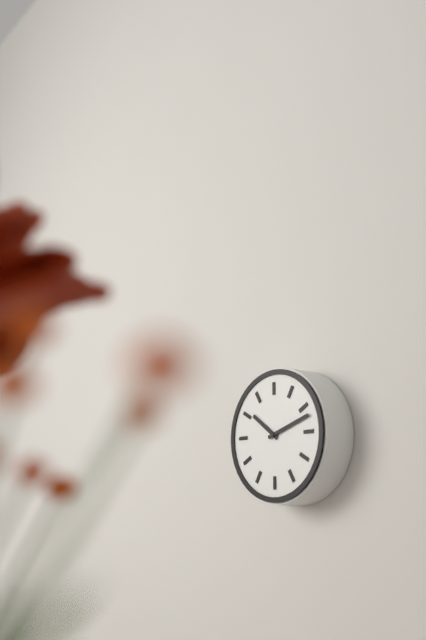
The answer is 10,12
